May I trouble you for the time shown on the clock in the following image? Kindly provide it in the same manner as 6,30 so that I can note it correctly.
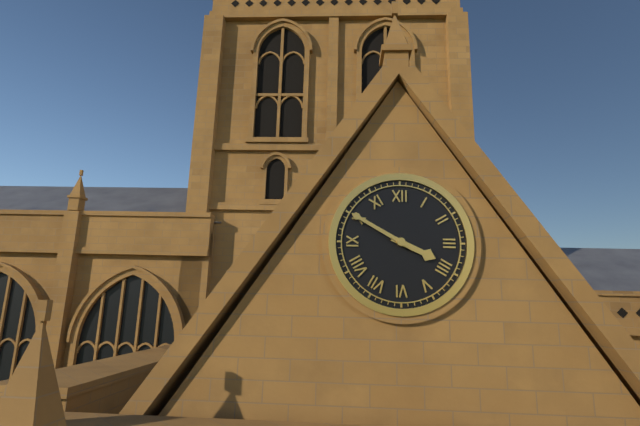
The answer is 3,50
